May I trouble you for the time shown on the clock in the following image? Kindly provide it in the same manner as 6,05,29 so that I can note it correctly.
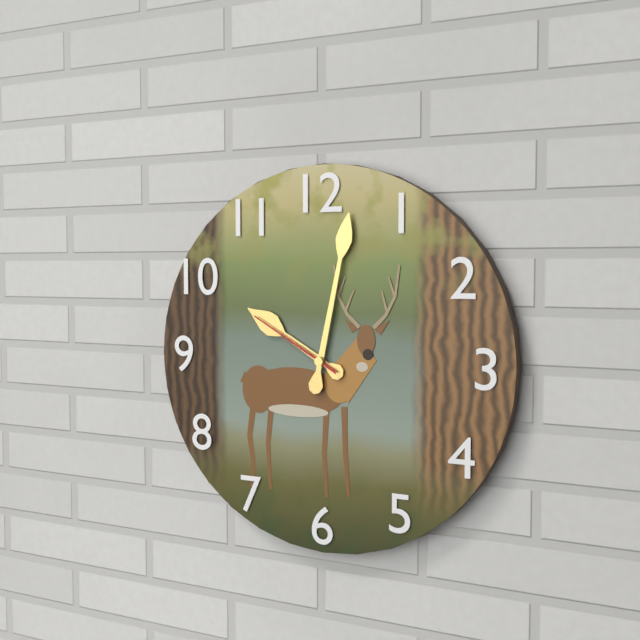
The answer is 10,02,50
